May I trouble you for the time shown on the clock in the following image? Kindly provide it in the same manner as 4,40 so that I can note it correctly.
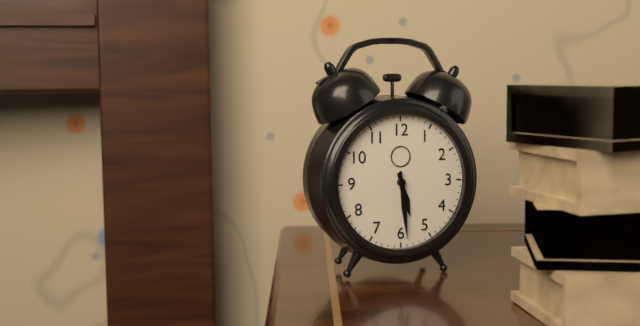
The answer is 5,29
